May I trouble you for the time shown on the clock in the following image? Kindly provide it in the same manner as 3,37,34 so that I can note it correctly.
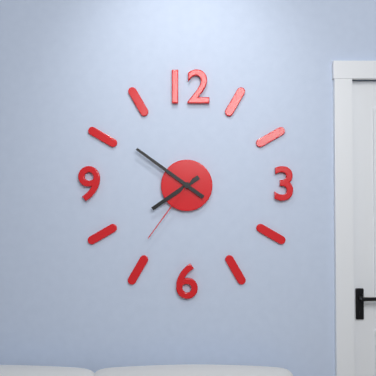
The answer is 7,51,36
